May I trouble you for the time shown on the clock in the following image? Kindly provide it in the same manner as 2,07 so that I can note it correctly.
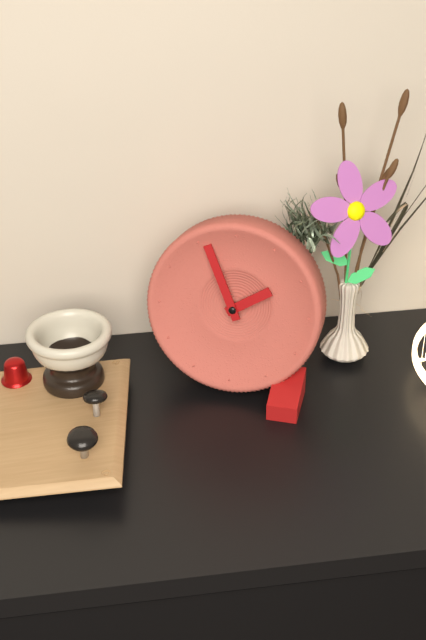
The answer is 1,56
